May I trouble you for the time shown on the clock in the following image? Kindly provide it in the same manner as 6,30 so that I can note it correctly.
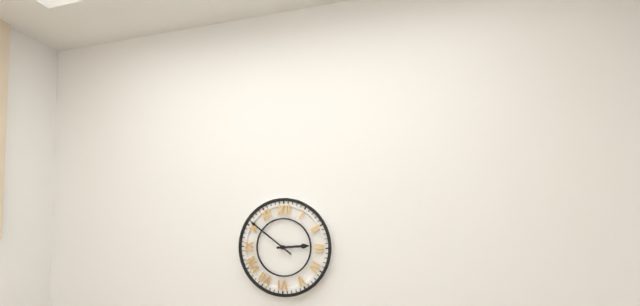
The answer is 2,51
